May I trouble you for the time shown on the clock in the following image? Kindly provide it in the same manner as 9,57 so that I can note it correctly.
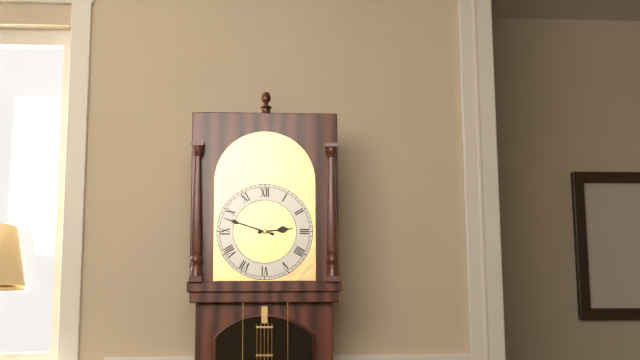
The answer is 2,48
